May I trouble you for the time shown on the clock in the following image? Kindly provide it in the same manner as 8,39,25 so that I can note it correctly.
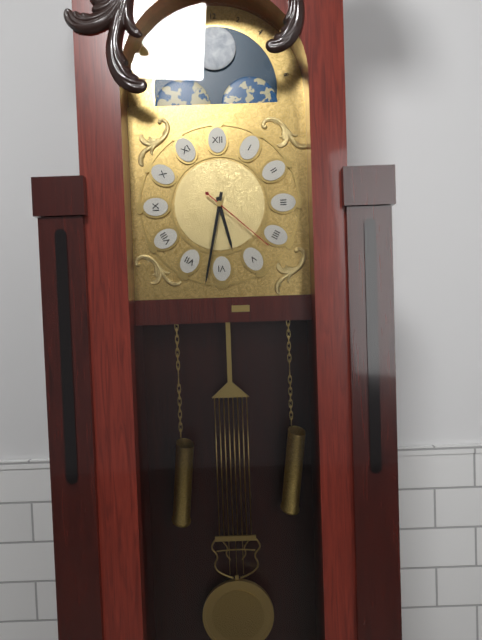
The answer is 5,32,22
